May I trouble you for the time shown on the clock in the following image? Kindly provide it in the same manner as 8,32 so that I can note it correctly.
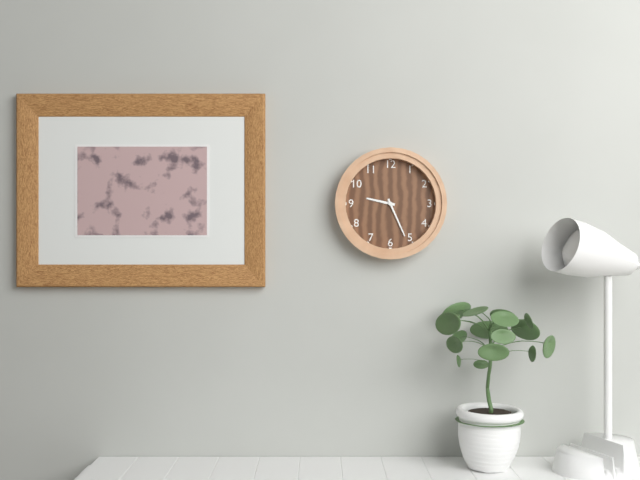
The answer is 9,26
